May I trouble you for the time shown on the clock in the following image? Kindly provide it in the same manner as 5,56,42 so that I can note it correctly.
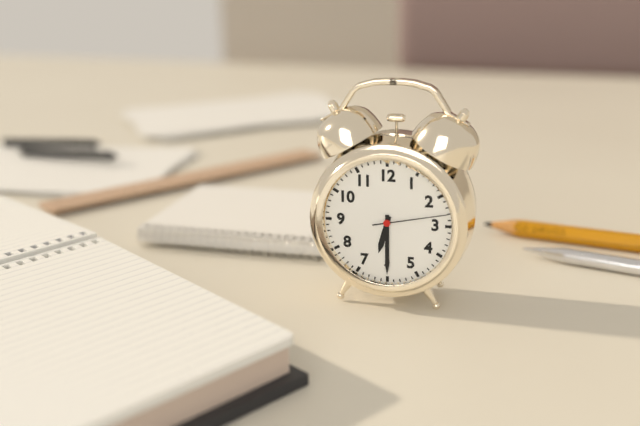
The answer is 6,30,13
